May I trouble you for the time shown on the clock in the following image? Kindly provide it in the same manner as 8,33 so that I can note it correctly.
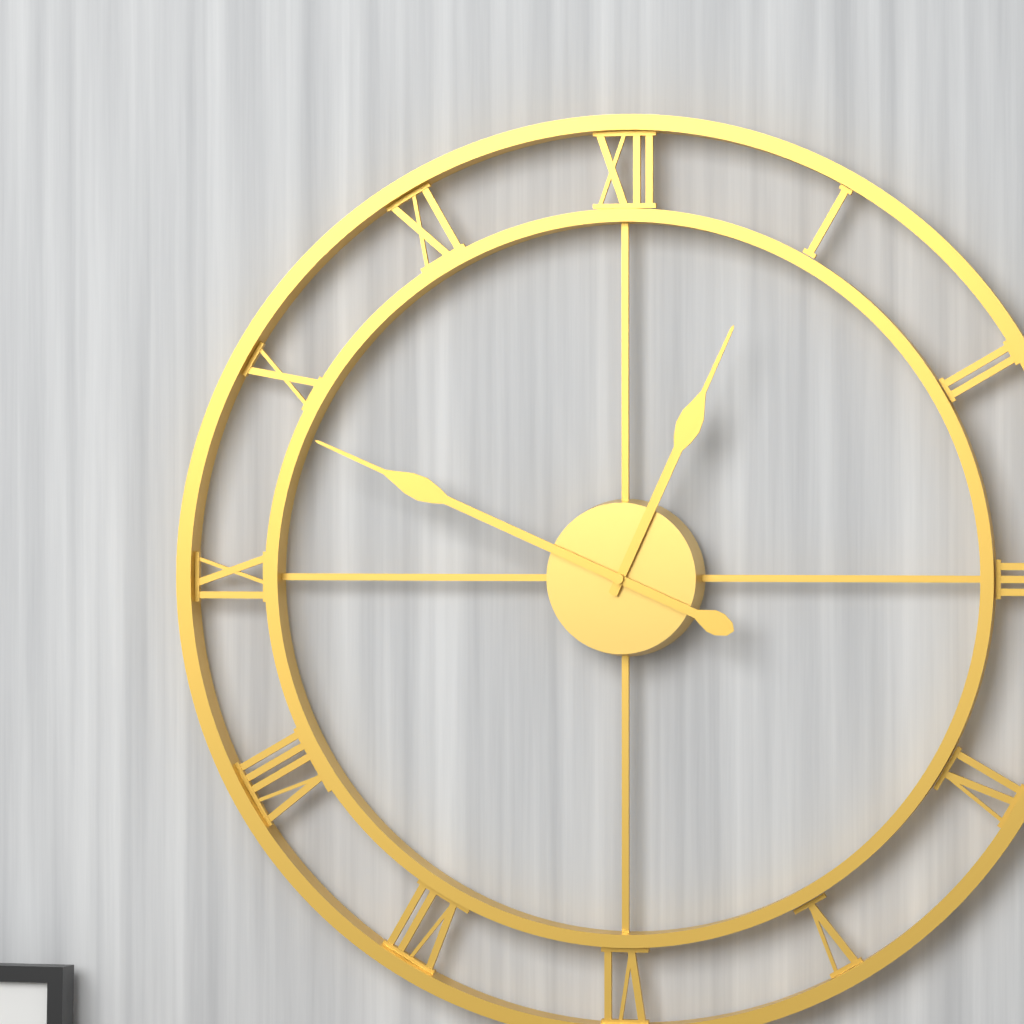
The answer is 12,49
